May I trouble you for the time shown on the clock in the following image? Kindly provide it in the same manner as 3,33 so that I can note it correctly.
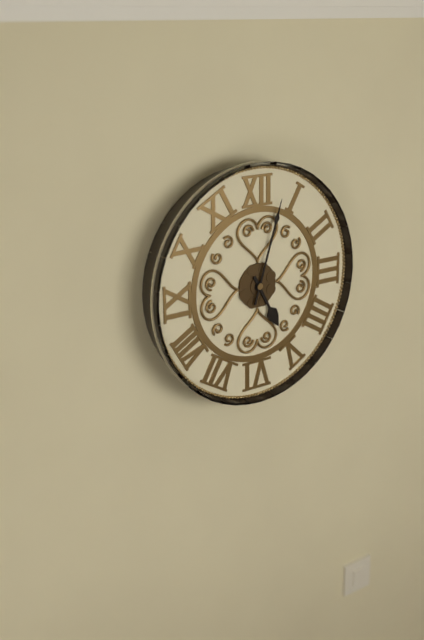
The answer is 5,03
